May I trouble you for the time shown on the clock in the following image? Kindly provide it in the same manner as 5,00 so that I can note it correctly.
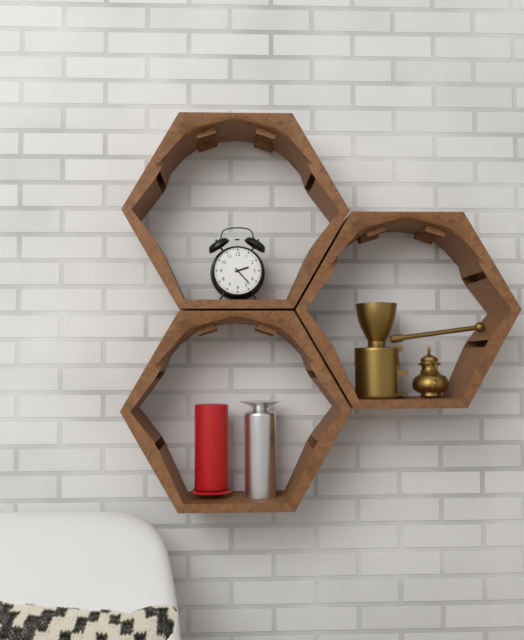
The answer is 2,23
